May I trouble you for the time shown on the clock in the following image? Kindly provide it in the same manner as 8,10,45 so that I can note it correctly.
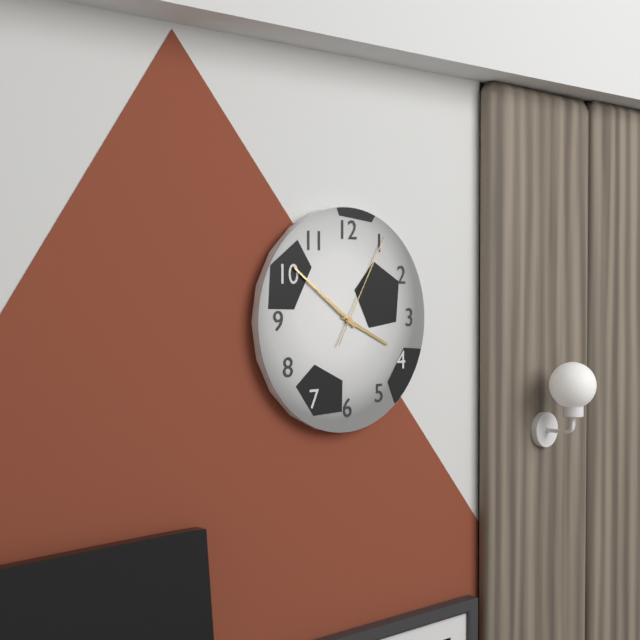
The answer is 3,51,05
